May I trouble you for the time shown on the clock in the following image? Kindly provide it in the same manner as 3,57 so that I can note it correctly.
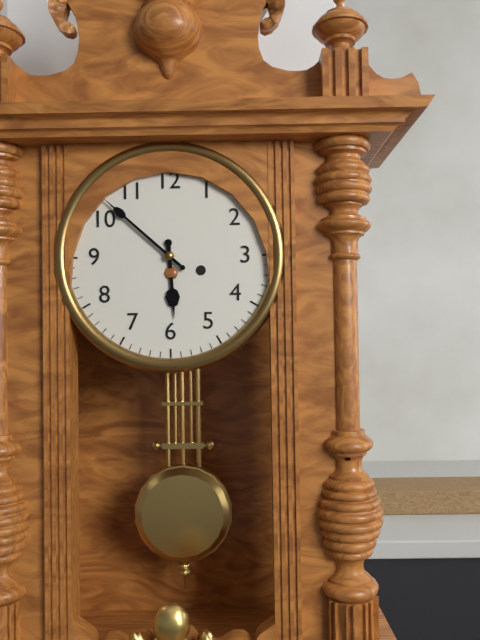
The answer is 5,52
